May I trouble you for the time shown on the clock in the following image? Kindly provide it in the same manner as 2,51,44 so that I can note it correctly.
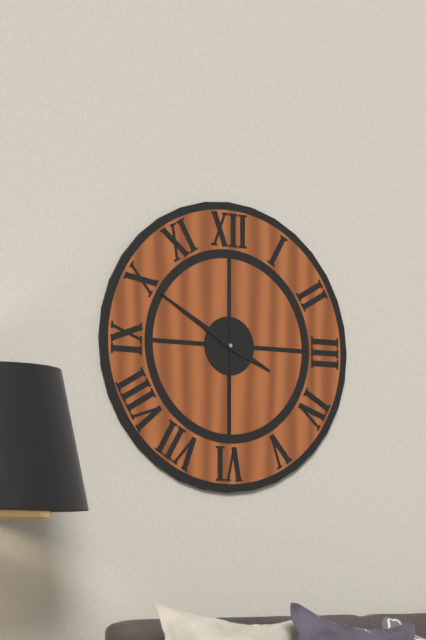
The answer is 3,50,30
